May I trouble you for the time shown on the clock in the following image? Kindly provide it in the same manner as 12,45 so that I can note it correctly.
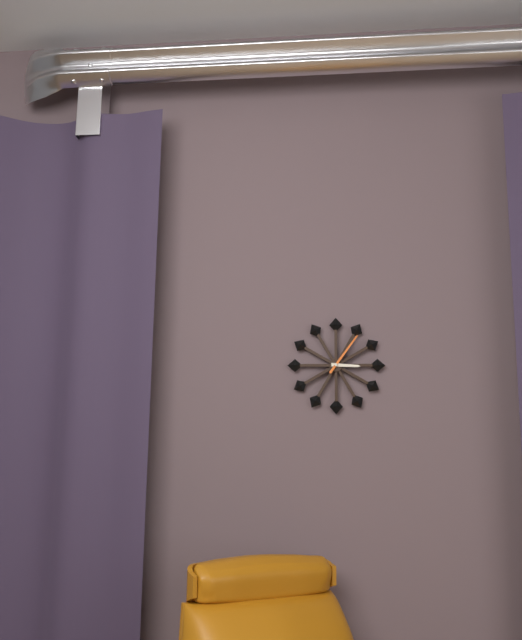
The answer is 3,06
